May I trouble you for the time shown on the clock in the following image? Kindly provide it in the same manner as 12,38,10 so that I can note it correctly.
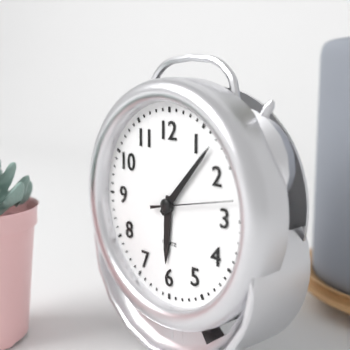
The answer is 6,07,13
